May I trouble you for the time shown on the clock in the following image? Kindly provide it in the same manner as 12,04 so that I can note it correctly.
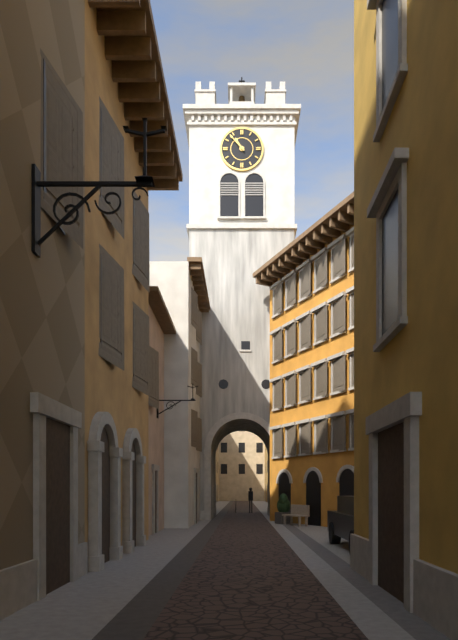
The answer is 10,53
